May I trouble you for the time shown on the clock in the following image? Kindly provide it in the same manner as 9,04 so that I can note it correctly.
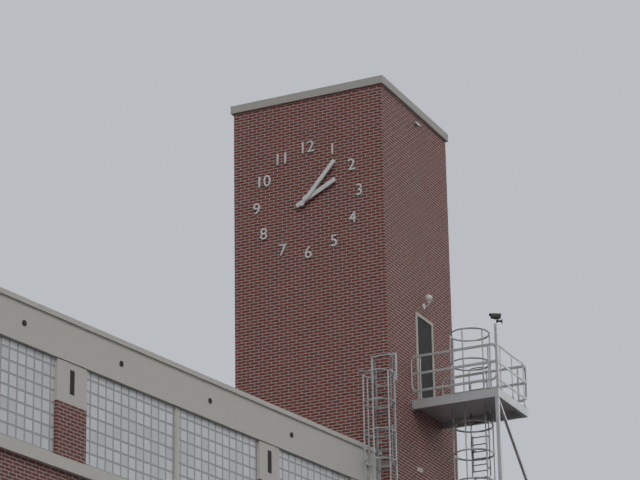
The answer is 2,07
